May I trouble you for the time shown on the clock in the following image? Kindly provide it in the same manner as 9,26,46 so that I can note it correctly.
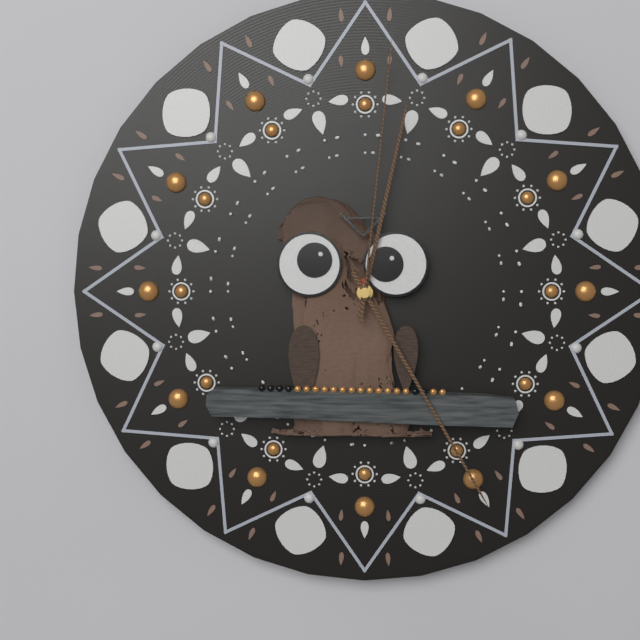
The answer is 12,25,01
